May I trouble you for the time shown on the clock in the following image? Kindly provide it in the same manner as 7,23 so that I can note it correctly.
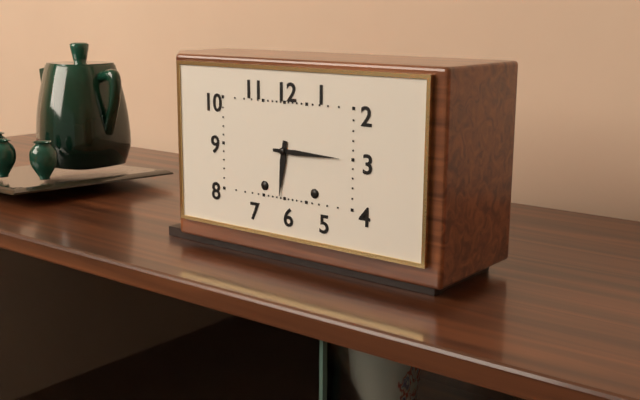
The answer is 6,15
